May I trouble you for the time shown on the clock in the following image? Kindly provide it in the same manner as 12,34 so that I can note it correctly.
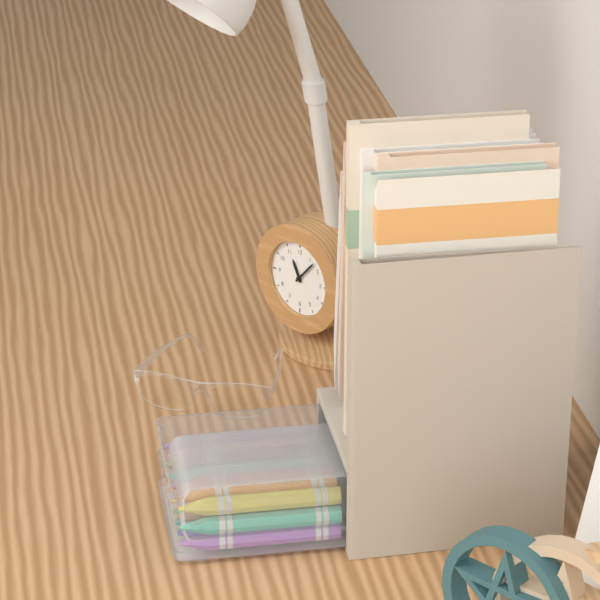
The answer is 11,07
